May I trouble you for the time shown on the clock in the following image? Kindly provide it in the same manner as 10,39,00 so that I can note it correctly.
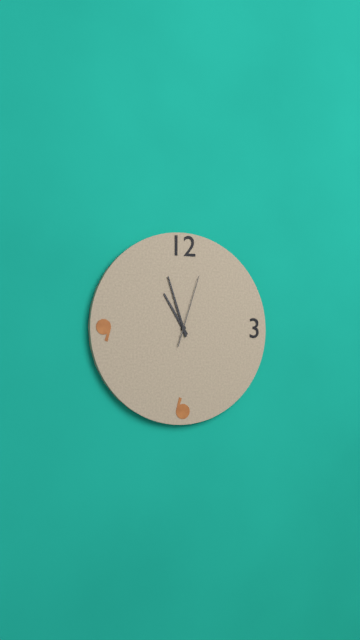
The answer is 10,57,03
